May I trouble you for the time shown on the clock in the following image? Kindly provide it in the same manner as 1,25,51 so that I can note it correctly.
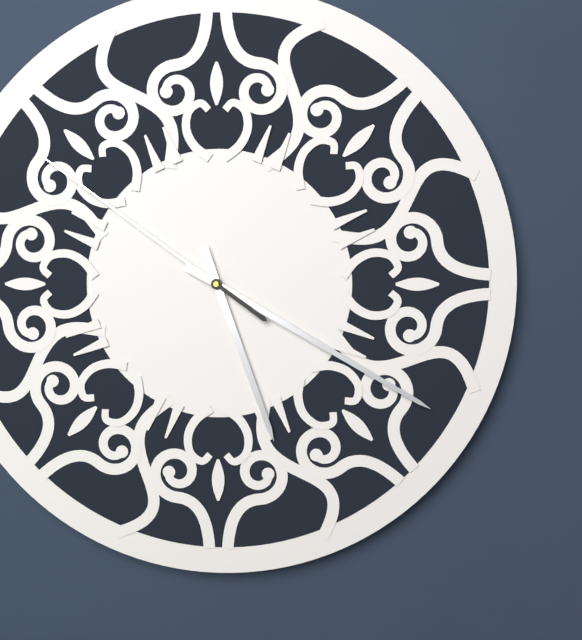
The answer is 5,20,51
